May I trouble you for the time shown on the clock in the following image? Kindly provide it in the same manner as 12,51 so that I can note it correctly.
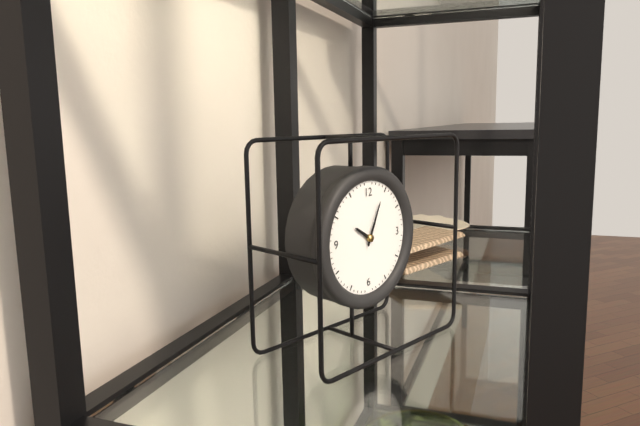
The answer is 10,04
